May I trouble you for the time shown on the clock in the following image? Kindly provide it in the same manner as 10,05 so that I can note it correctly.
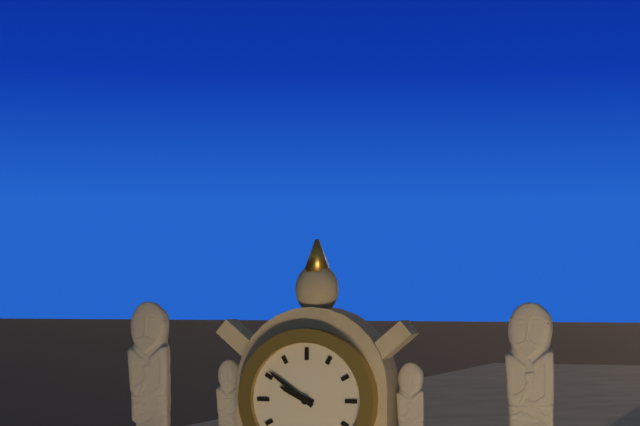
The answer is 9,51
